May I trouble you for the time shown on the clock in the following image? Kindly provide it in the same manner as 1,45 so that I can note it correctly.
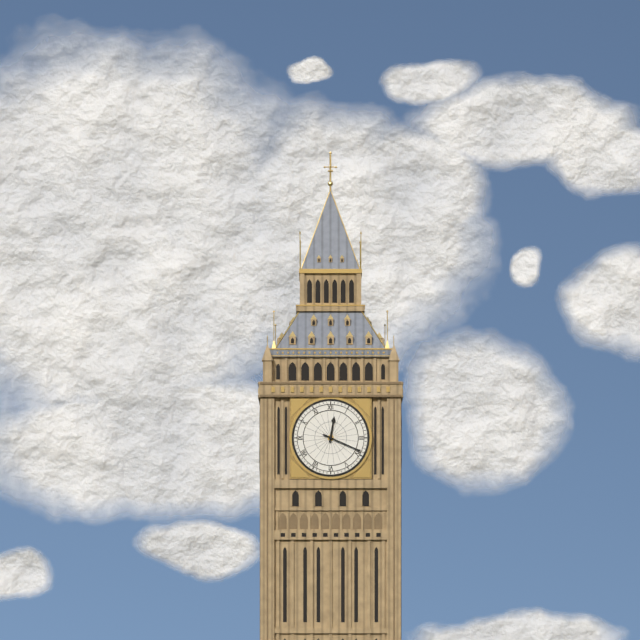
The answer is 12,19
